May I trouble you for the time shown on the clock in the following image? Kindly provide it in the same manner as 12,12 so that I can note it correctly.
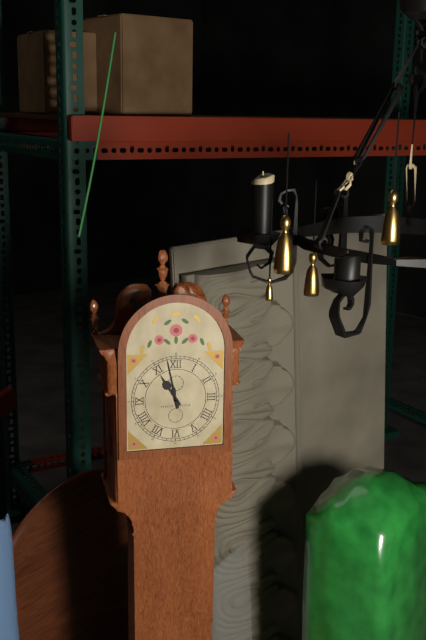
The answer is 10,58
